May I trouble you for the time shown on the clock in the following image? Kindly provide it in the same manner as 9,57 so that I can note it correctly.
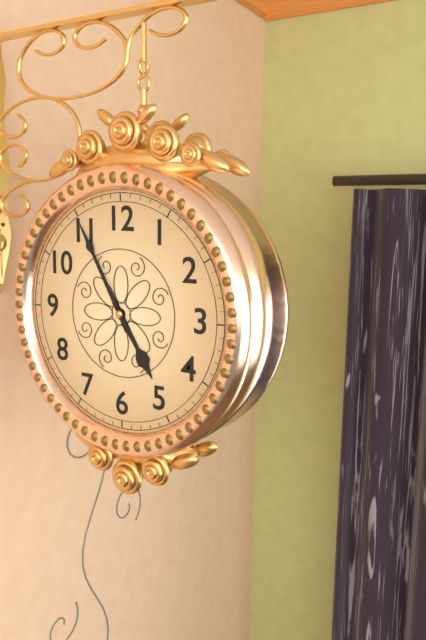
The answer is 4,55
